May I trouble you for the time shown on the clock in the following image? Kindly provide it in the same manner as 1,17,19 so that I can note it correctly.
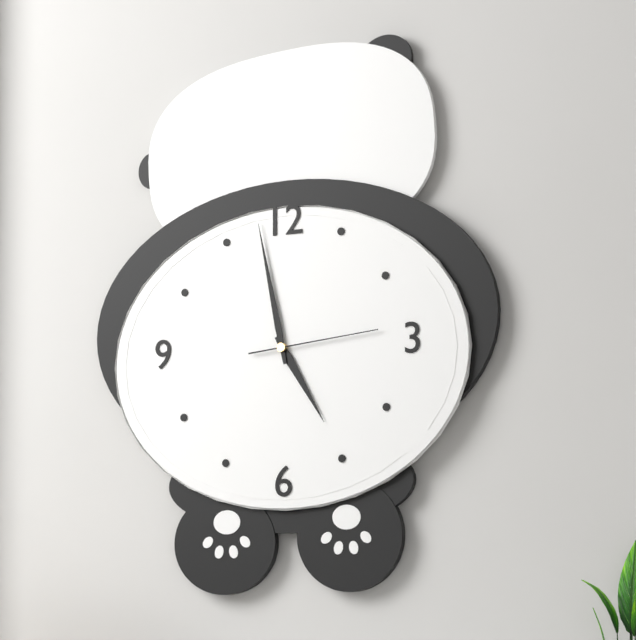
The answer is 4,58,14
